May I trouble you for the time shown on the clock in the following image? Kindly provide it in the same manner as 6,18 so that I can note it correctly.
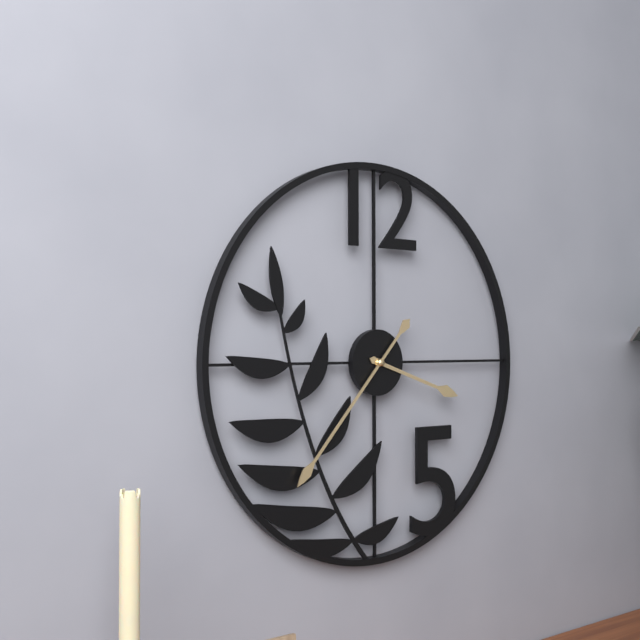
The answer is 3,37
